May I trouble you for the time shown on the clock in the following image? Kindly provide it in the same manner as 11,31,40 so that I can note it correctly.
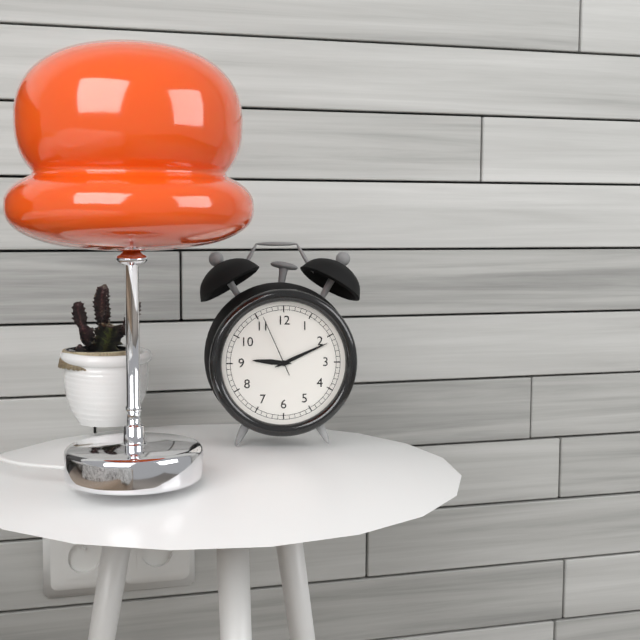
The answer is 9,11,56
